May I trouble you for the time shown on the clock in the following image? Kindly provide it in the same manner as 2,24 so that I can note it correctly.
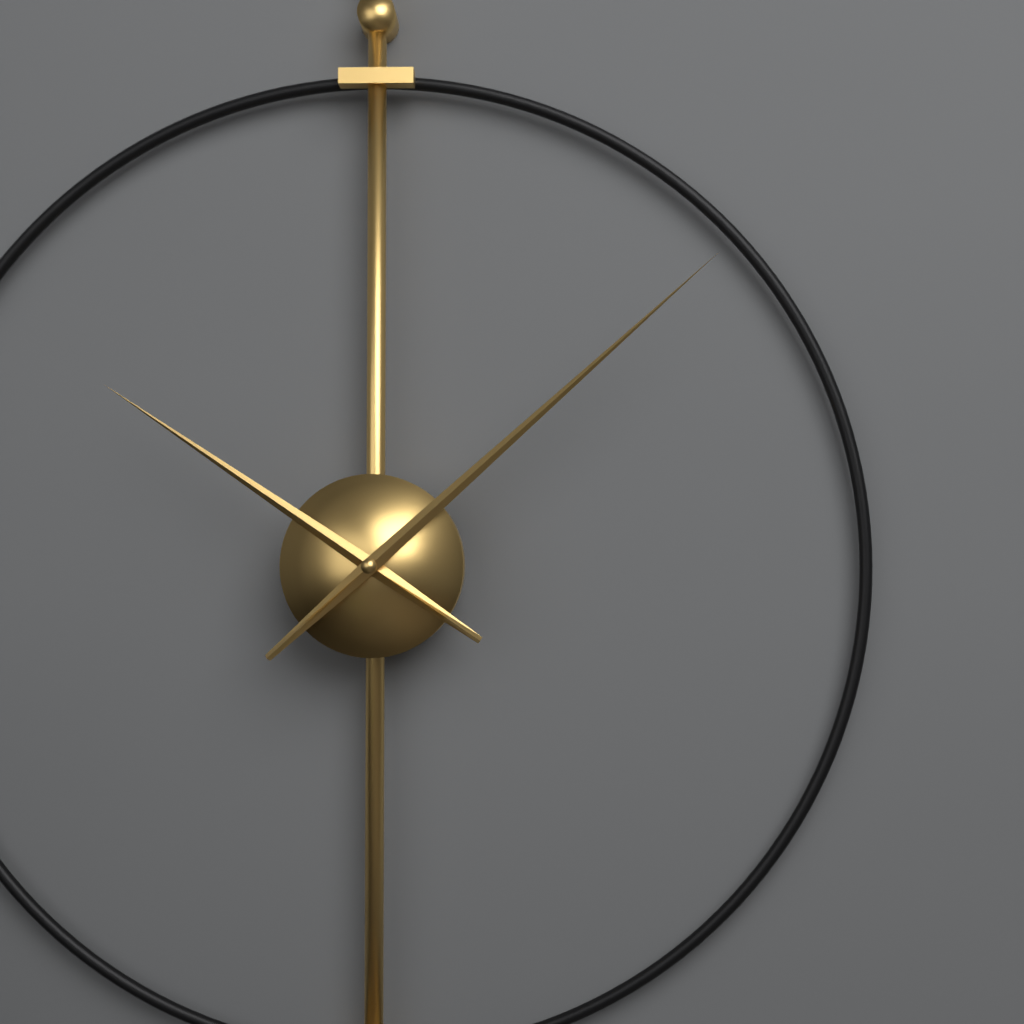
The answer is 10,08
